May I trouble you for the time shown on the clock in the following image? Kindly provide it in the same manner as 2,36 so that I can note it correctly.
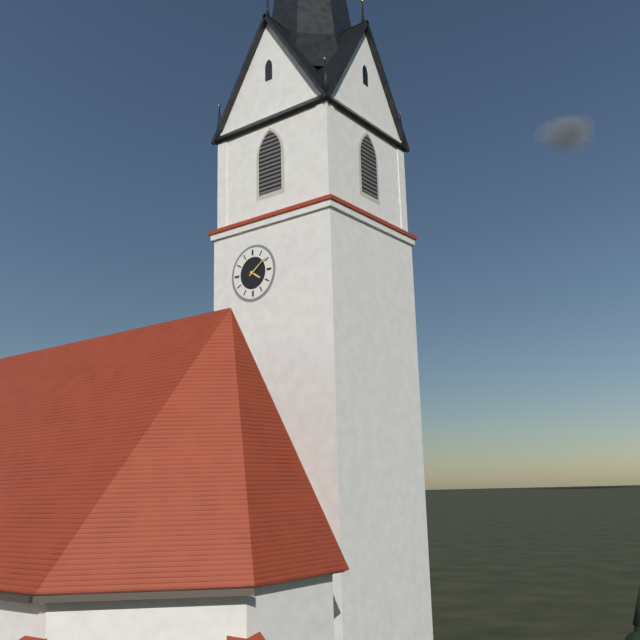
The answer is 4,09
